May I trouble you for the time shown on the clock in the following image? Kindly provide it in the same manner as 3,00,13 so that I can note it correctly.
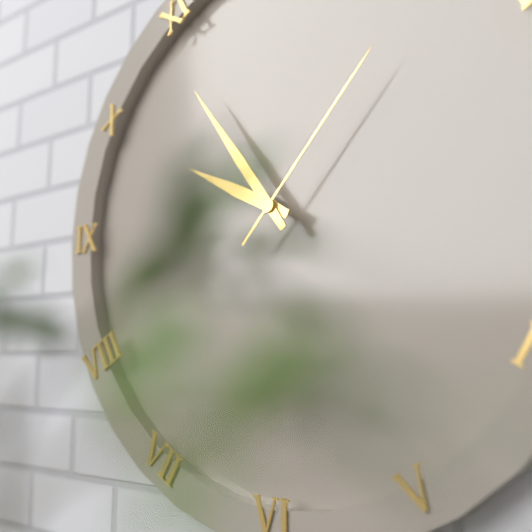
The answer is 9,54,07
